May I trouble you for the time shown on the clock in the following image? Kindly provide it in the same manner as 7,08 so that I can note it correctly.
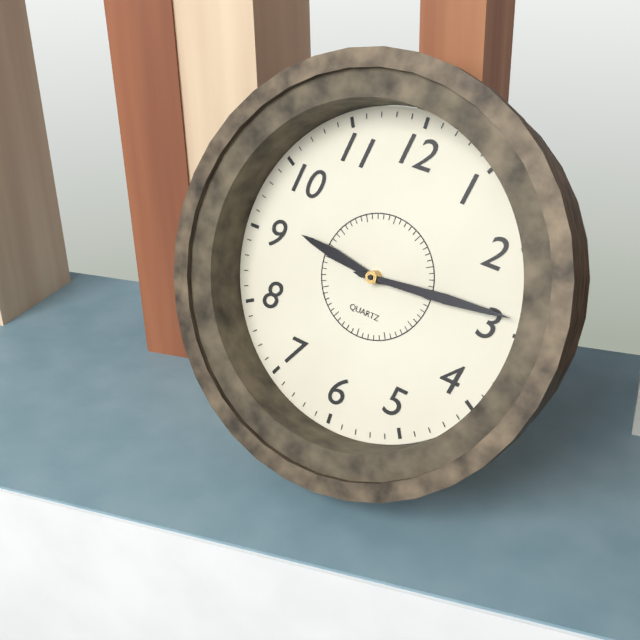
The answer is 9,14
